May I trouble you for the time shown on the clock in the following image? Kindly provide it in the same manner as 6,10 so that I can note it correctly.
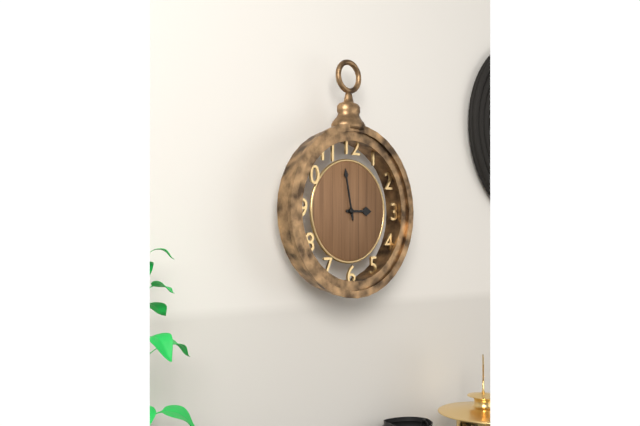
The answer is 2,58
